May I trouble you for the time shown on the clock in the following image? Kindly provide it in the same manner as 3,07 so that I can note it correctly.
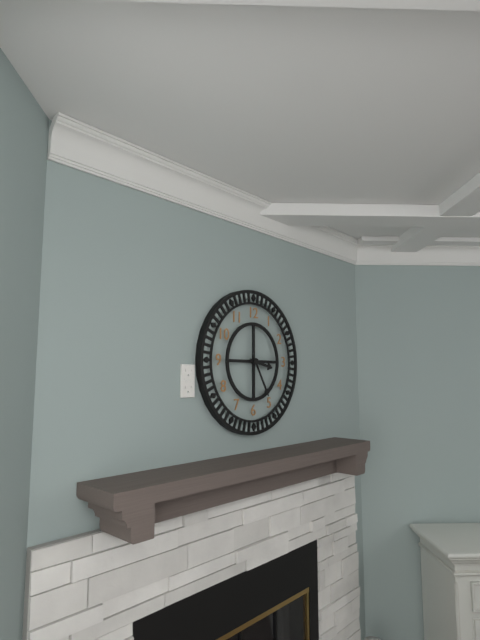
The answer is 3,25
